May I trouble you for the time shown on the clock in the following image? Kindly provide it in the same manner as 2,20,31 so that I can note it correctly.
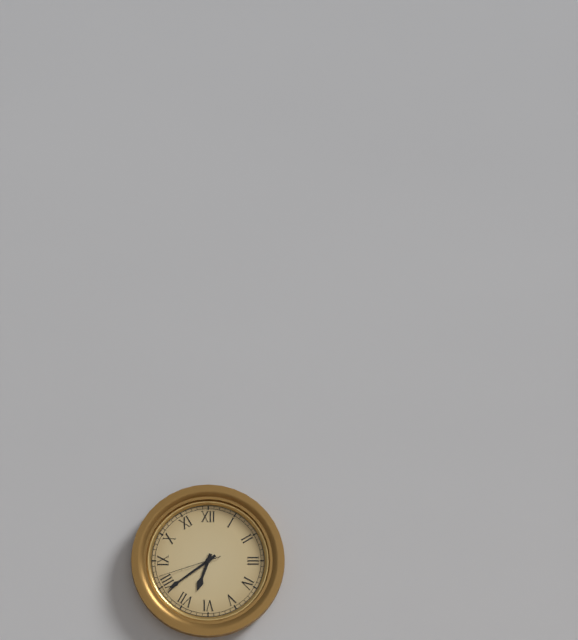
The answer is 6,39,42
